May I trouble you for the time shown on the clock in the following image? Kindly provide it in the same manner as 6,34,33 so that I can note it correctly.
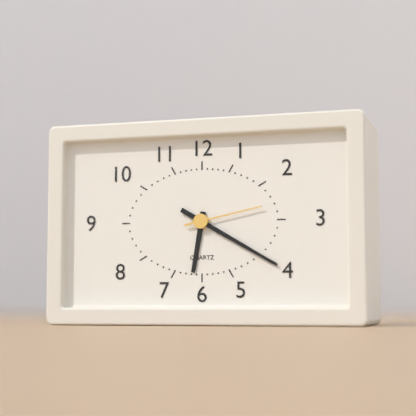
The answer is 6,20,13
